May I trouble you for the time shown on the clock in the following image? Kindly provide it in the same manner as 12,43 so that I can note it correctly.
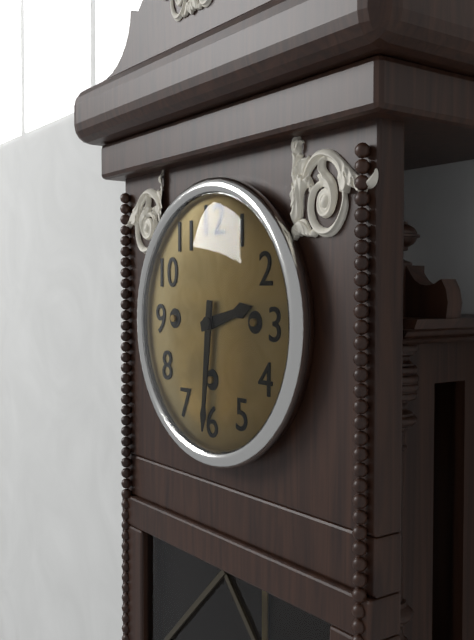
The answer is 2,31
